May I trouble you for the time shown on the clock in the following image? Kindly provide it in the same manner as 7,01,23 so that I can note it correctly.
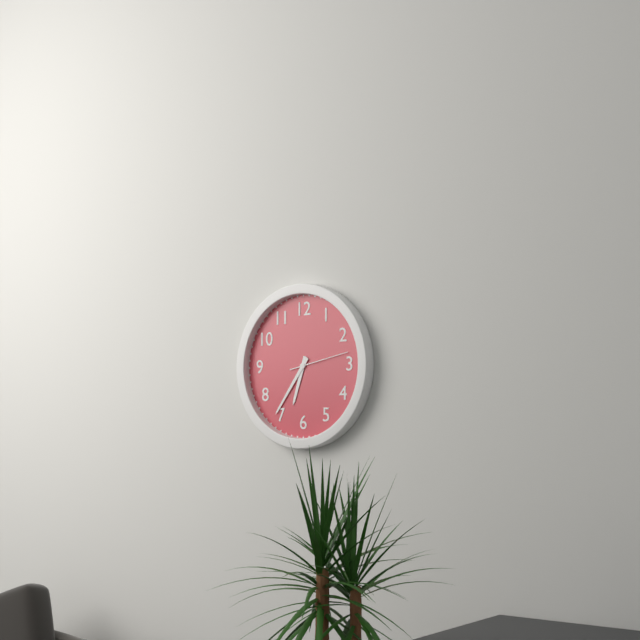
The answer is 6,36,13
